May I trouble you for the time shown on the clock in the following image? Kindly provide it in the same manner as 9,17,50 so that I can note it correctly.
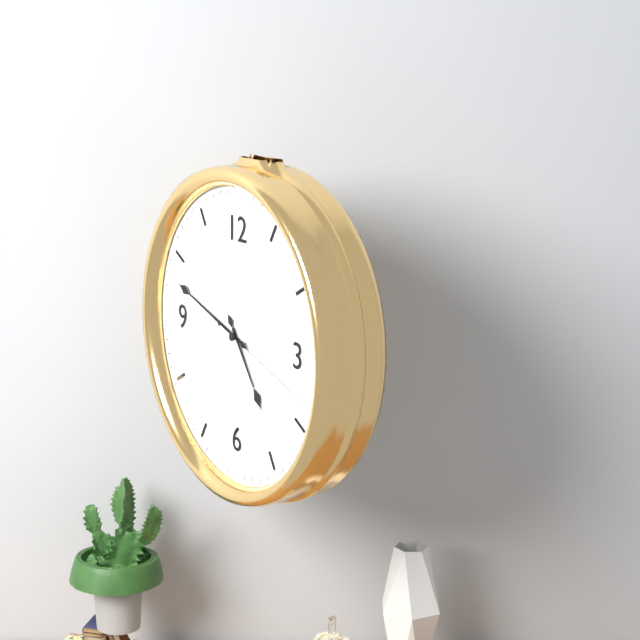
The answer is 4,48,18
